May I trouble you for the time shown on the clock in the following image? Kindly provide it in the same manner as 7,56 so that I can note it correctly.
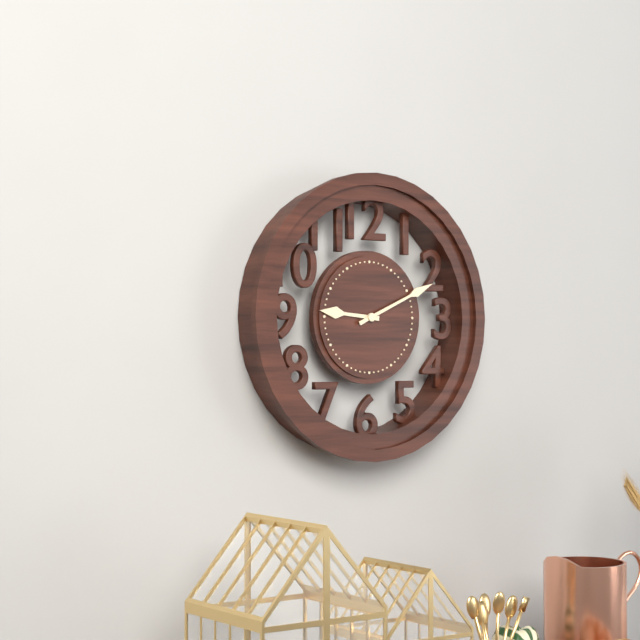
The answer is 9,11
